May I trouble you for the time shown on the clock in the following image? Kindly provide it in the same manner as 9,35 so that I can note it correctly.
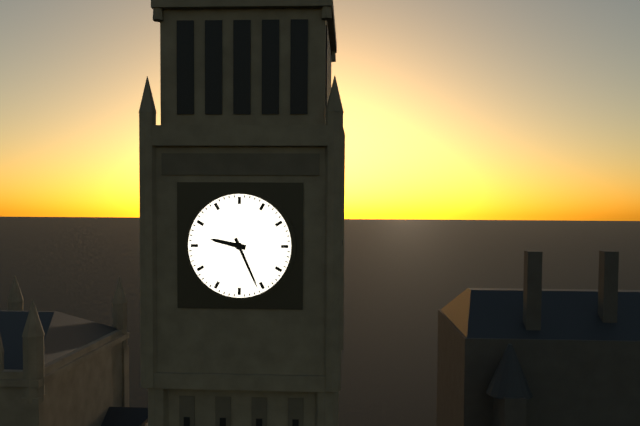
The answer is 9,26
